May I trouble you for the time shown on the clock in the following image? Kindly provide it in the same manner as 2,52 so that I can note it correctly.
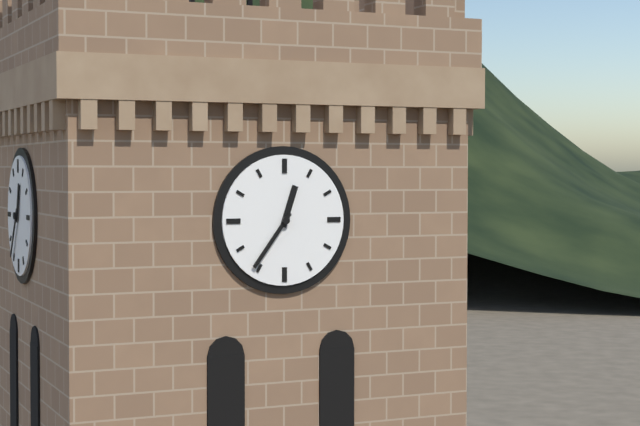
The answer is 12,36
